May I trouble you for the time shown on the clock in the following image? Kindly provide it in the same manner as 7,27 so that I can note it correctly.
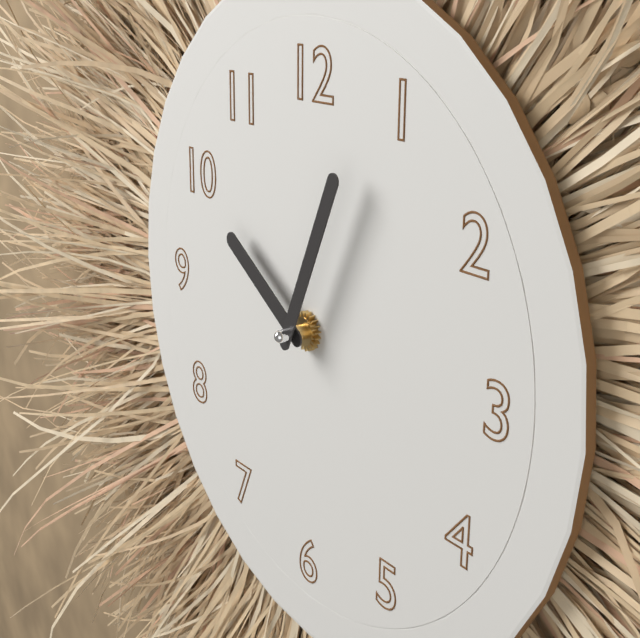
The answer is 10,04
